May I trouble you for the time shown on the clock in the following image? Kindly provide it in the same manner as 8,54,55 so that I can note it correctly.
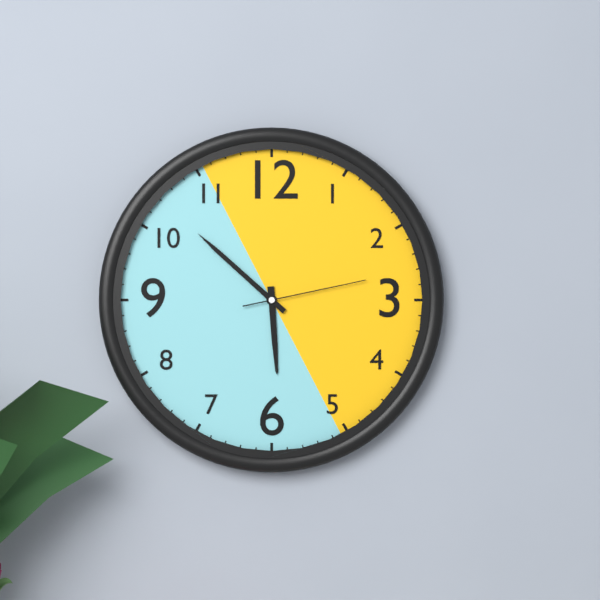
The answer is 5,52,13
